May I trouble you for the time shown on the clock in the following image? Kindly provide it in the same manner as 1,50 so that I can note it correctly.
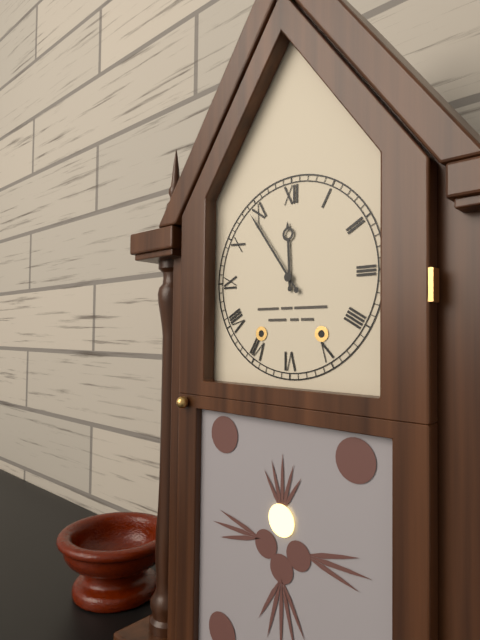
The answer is 11,54
